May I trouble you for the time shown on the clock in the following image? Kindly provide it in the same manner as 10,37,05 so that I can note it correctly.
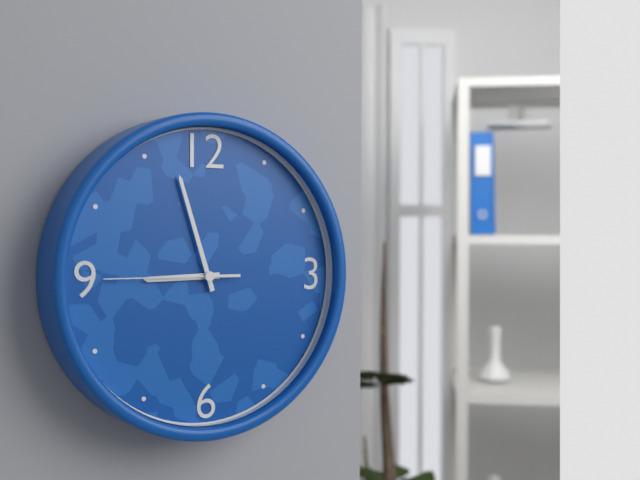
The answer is 8,57,45
